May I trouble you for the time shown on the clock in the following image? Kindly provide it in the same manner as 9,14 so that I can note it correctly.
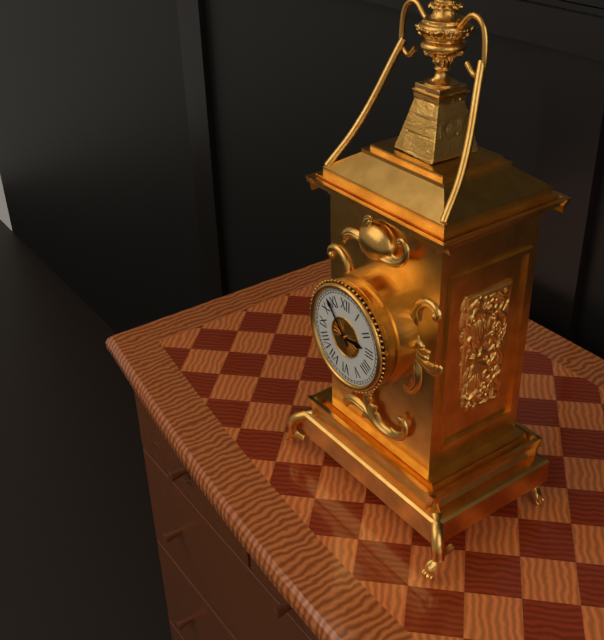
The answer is 2,53
